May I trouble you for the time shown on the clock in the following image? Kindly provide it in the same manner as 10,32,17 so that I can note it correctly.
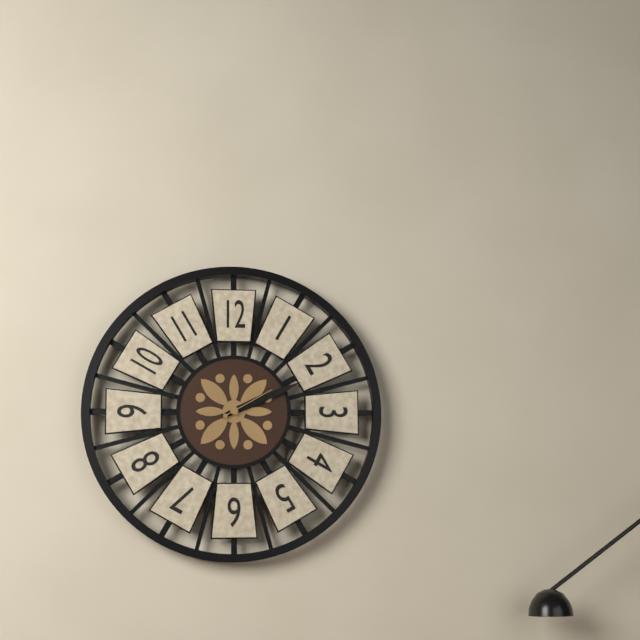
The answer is 2,11,10
